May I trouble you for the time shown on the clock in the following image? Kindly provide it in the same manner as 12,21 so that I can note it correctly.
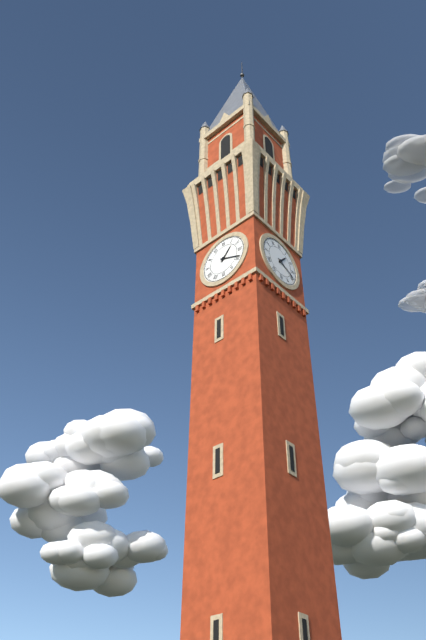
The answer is 1,19
